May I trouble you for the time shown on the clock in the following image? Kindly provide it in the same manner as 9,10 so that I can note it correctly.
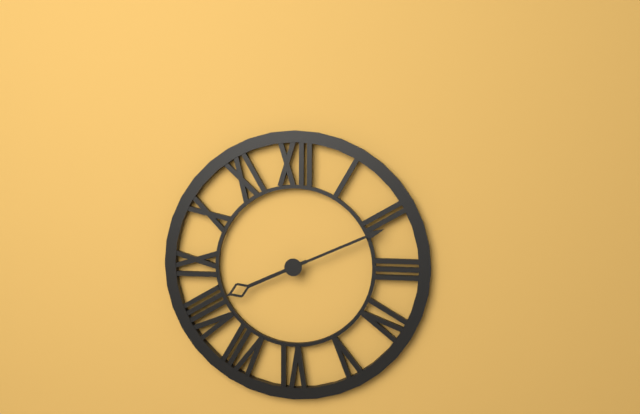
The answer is 8,11
